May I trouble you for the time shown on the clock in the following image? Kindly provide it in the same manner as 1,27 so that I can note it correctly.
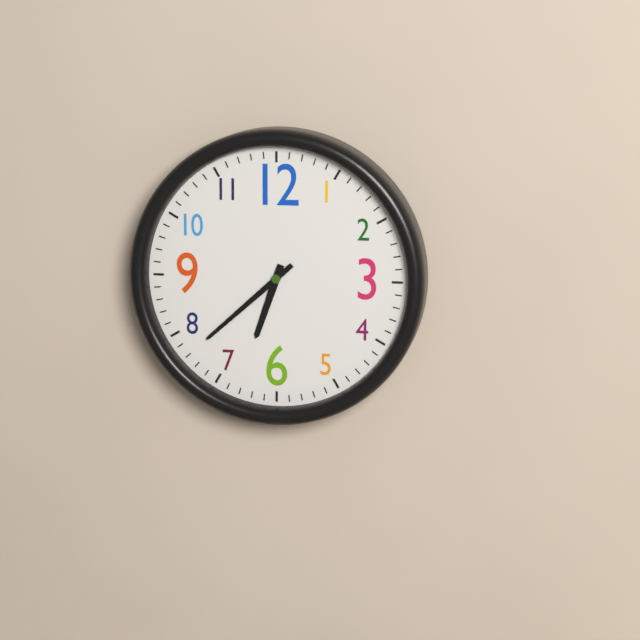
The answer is 6,38
